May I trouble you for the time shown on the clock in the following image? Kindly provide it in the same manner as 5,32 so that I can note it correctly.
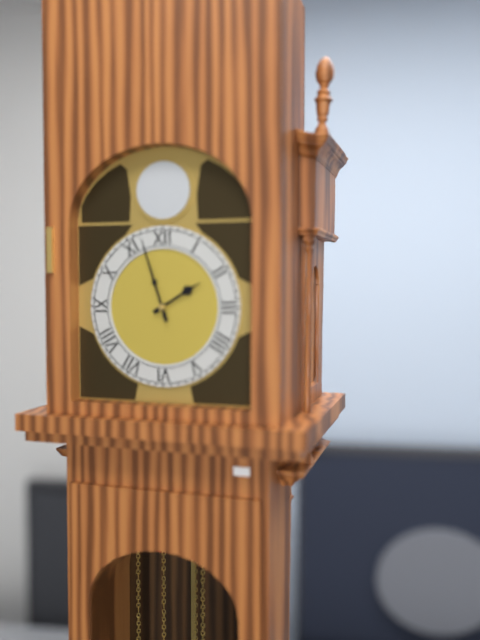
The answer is 1,57
